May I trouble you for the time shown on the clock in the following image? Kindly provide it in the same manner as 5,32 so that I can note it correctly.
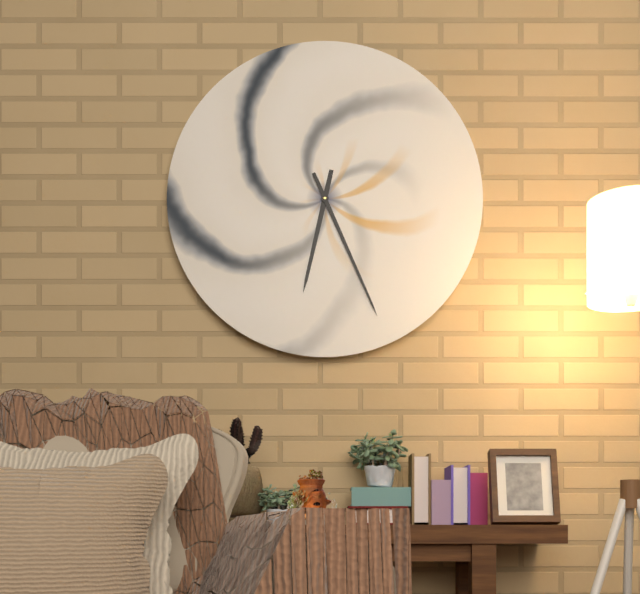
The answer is 6,26
